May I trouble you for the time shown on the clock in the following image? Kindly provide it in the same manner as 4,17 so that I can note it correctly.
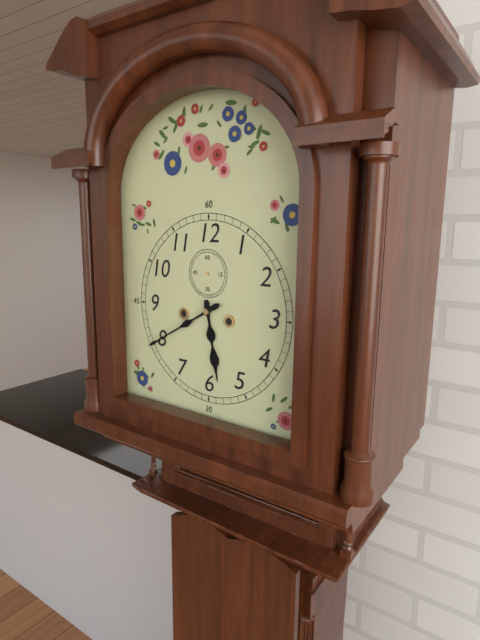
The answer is 5,40
